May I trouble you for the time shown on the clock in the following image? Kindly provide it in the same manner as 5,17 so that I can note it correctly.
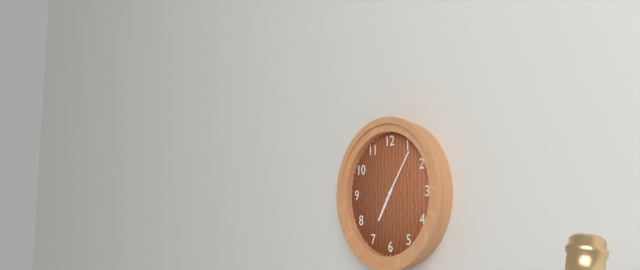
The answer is 7,06
